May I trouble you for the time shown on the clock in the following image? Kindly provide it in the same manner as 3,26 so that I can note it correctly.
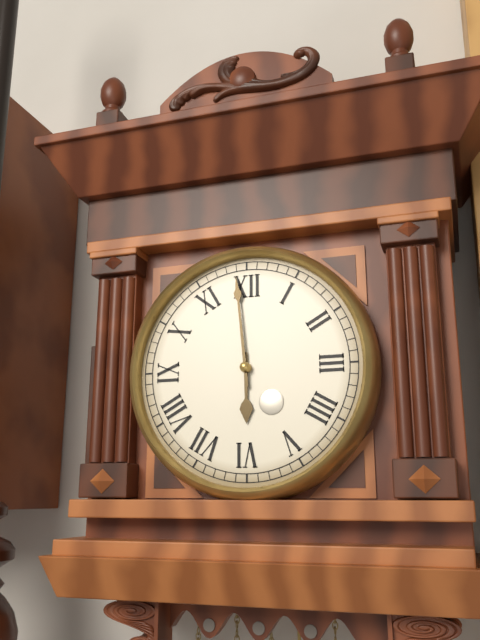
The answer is 5,59
